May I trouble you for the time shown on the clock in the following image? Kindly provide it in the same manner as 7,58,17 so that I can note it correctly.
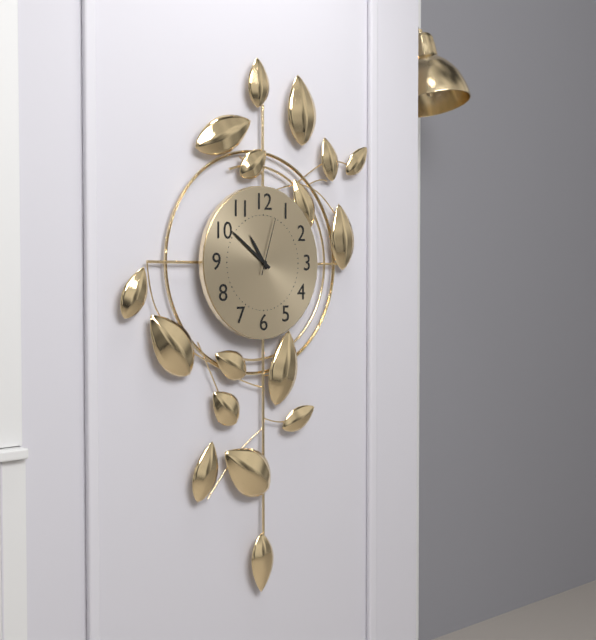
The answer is 10,51,03
